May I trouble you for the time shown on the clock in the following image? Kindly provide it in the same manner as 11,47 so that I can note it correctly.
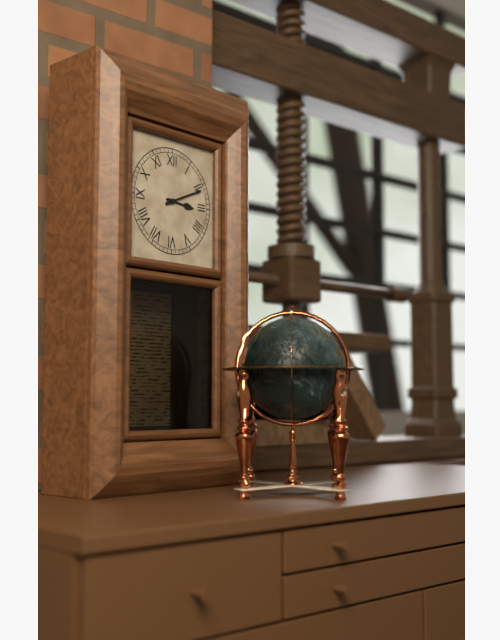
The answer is 3,11
